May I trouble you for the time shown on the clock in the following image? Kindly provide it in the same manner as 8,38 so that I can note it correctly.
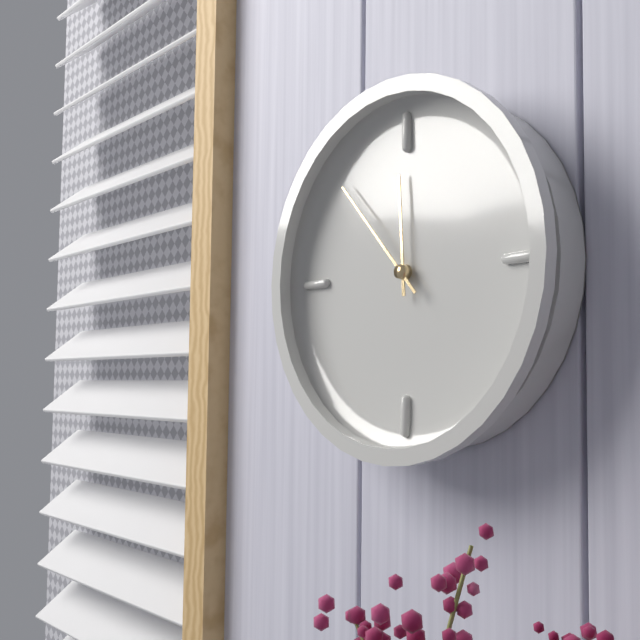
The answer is 11,53
